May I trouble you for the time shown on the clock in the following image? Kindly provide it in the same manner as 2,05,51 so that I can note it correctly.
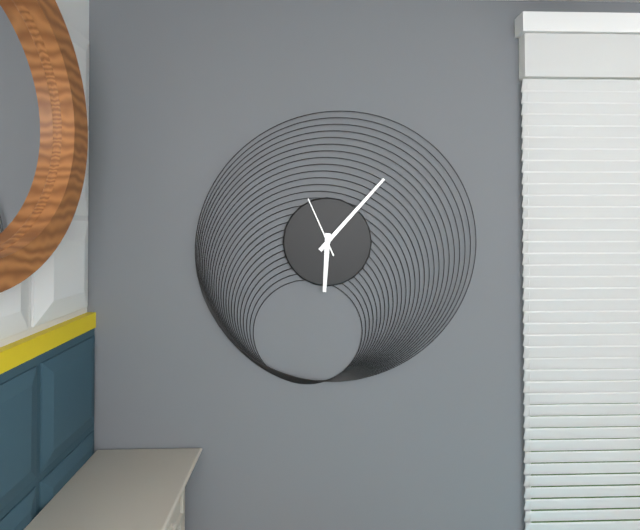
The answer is 6,07,56
